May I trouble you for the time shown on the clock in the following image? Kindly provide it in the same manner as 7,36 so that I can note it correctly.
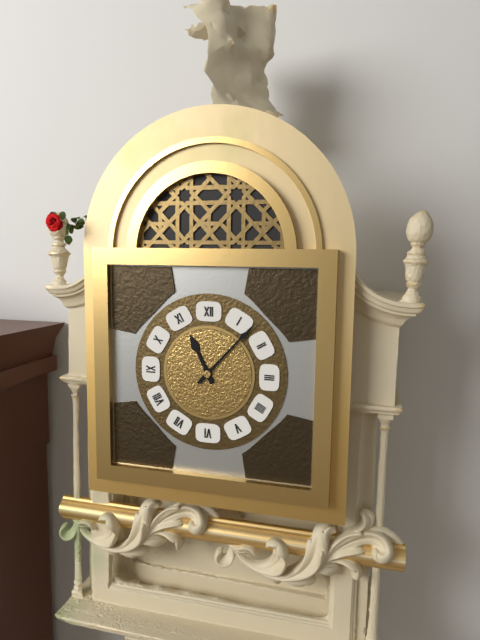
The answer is 11,07
